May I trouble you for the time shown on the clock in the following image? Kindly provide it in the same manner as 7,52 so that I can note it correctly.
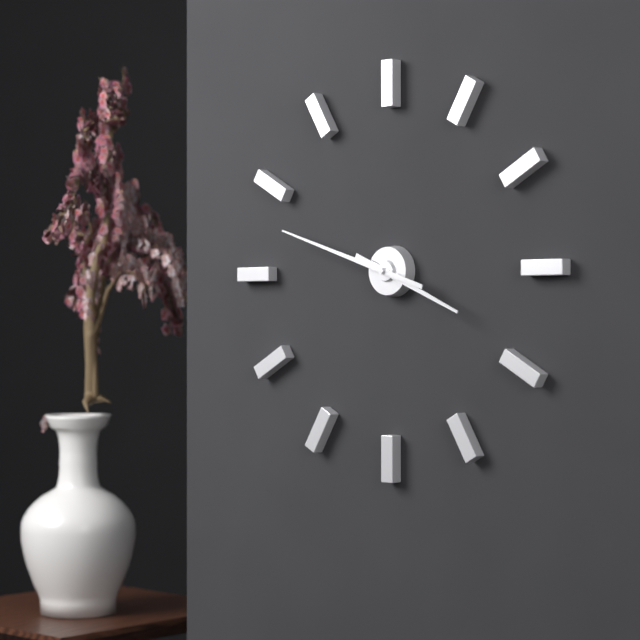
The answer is 3,48
